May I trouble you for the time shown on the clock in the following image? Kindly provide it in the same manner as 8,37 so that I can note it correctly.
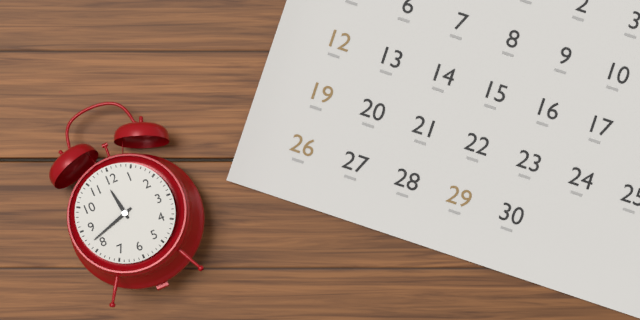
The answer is 11,42
